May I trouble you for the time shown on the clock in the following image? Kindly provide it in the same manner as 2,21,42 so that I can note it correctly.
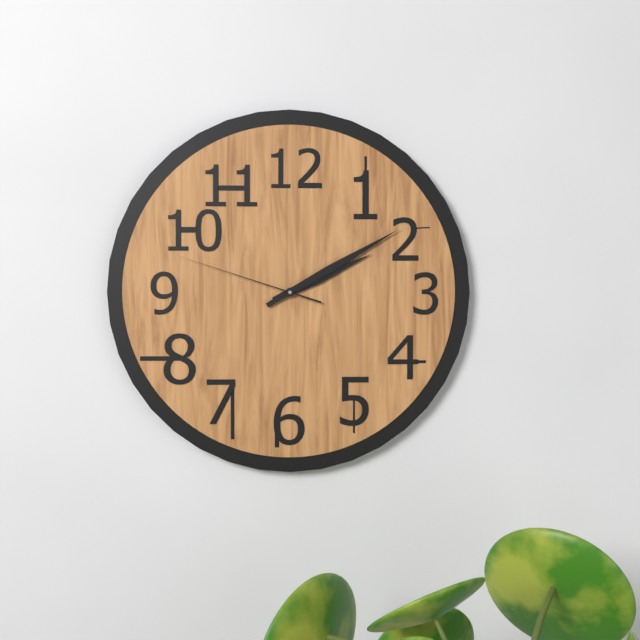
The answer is 2,10,48
